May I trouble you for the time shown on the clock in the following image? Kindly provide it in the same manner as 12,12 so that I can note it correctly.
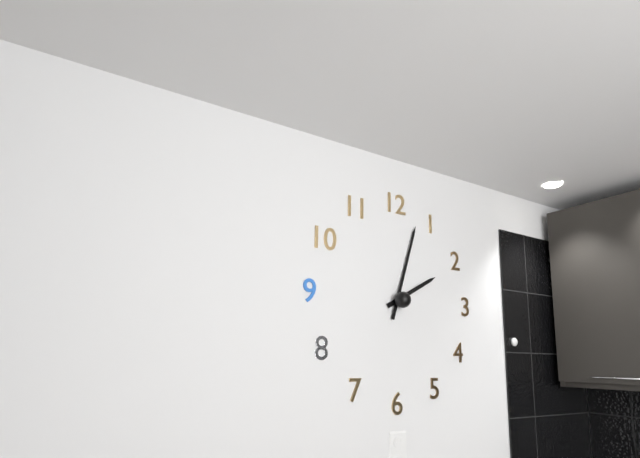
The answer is 2,03
